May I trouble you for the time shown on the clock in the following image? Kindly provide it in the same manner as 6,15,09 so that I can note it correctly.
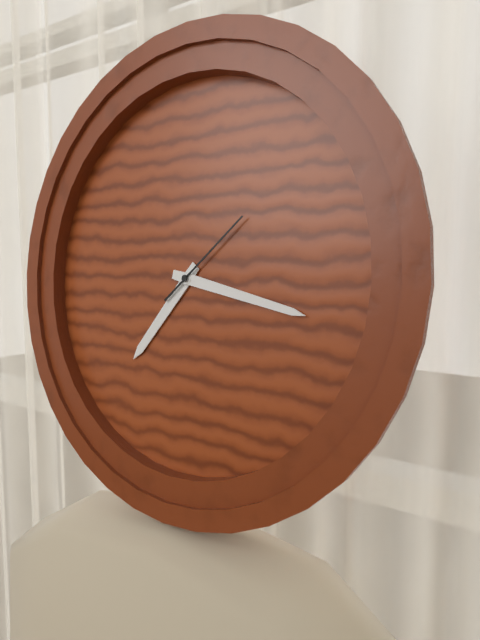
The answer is 7,17,08
